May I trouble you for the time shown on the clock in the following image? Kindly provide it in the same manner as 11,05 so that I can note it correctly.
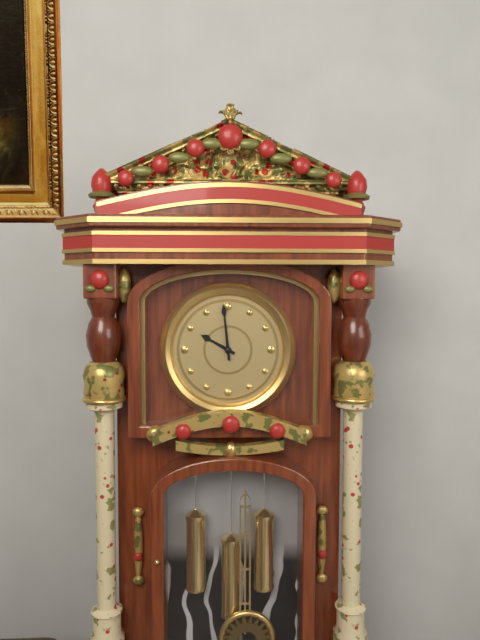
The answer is 9,59
